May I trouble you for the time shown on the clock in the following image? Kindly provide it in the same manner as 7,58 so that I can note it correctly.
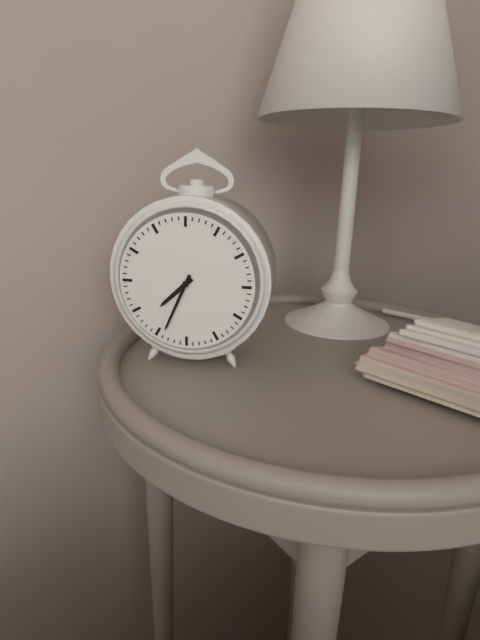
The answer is 7,34
